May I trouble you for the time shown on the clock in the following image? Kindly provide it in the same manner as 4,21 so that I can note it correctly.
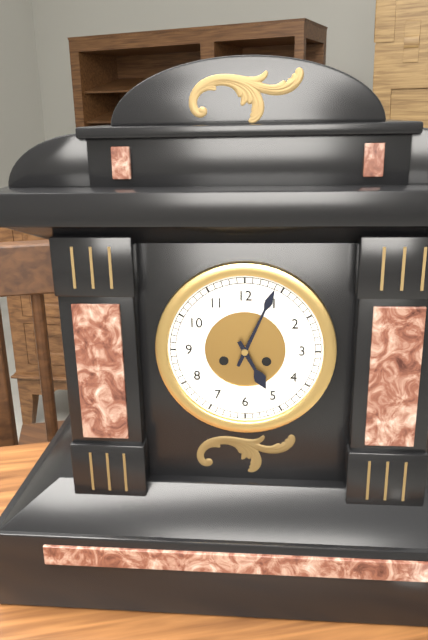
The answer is 5,04
